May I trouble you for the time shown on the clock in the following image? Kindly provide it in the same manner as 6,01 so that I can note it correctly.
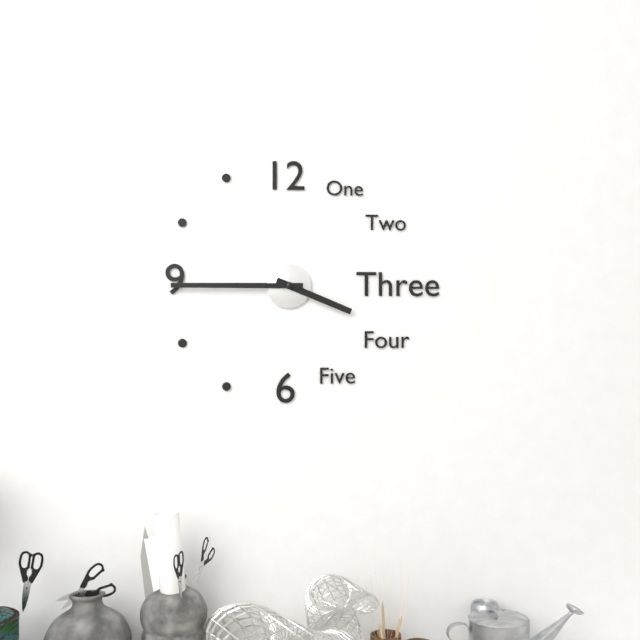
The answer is 3,45
